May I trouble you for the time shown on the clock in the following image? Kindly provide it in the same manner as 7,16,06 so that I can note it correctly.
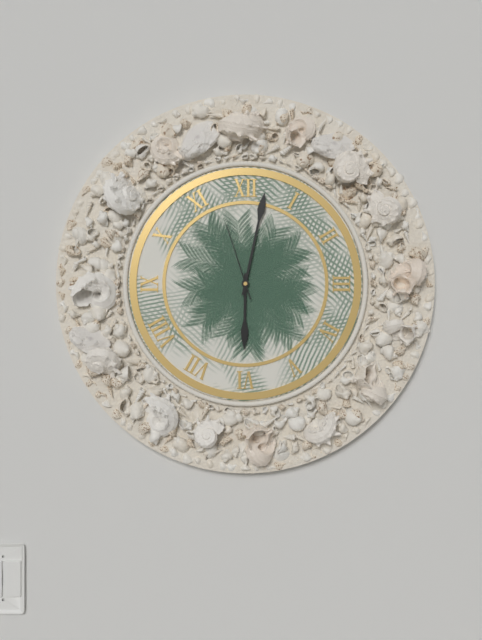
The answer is 6,02,57
